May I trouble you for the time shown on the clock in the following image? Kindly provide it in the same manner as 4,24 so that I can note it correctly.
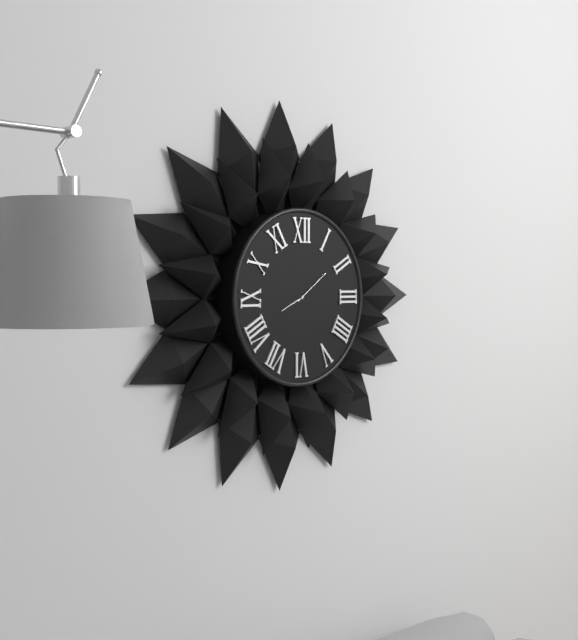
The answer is 8,09
